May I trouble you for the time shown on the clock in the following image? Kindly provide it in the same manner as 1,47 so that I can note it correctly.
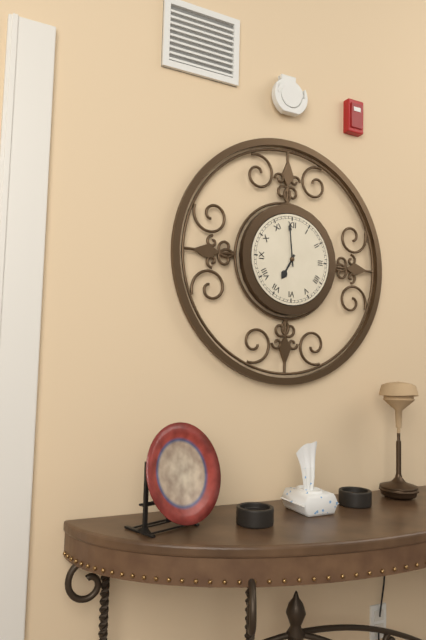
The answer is 6,59
